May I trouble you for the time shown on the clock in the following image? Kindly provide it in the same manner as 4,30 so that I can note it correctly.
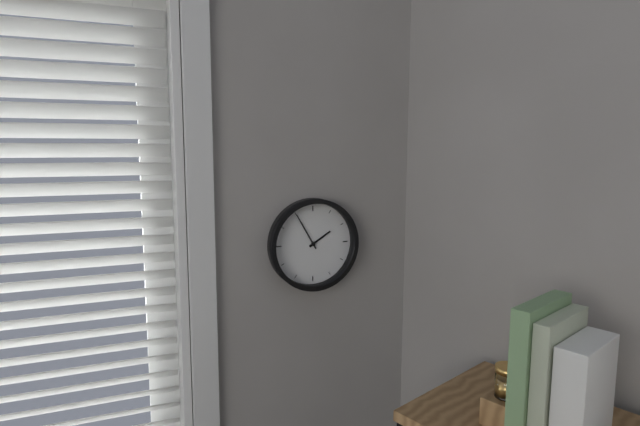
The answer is 1,55
